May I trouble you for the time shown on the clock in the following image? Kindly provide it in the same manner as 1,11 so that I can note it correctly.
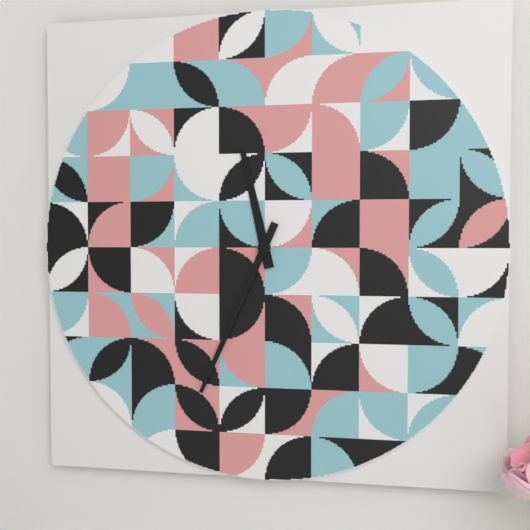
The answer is 11,34
